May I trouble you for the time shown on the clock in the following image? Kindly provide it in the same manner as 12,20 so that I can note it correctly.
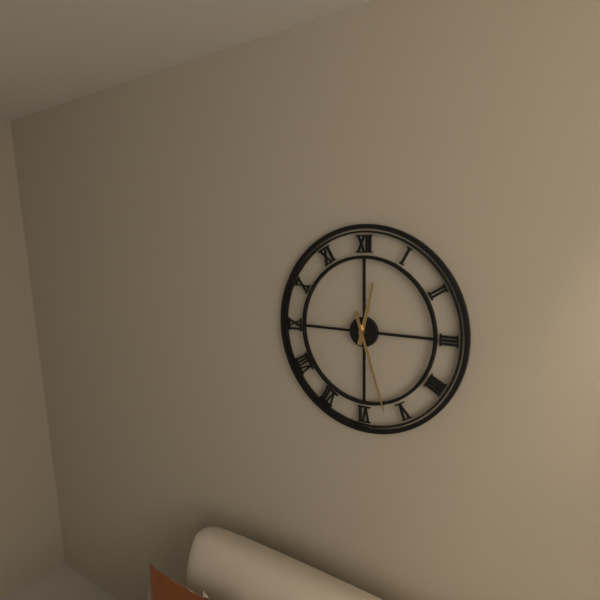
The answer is 12,27
